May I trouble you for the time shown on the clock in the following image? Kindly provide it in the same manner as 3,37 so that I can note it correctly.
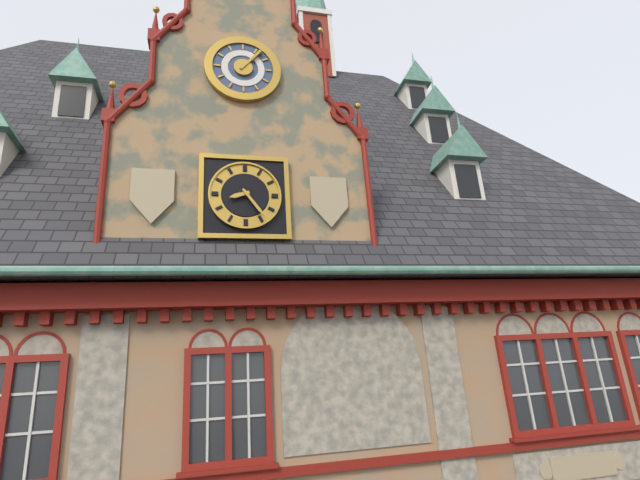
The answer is 8,24
